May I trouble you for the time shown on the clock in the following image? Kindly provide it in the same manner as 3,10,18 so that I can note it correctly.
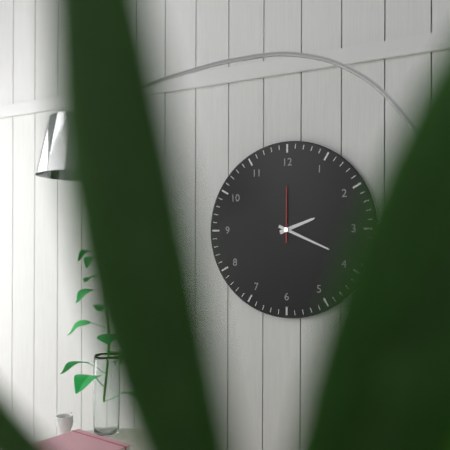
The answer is 2,19,00
